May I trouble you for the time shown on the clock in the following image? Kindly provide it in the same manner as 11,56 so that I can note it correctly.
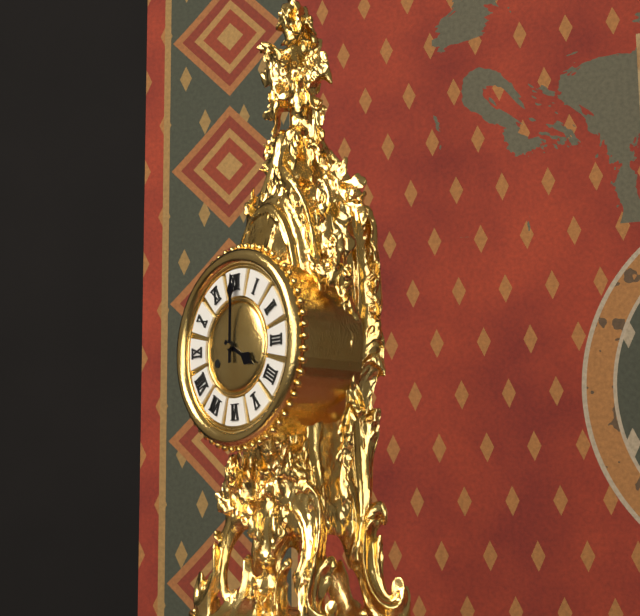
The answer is 4,00
